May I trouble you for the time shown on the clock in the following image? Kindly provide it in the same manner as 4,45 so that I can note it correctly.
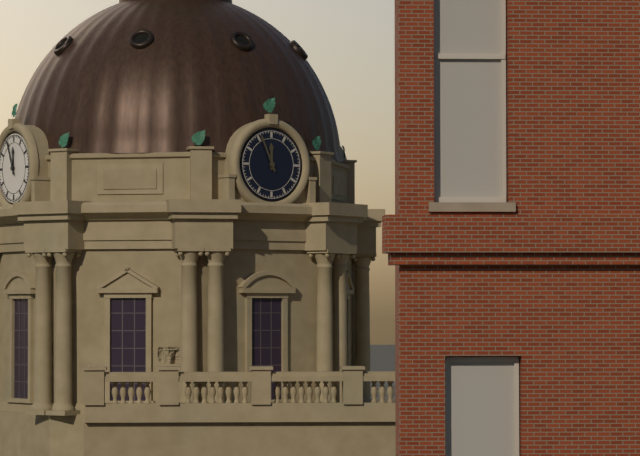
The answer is 11,56
